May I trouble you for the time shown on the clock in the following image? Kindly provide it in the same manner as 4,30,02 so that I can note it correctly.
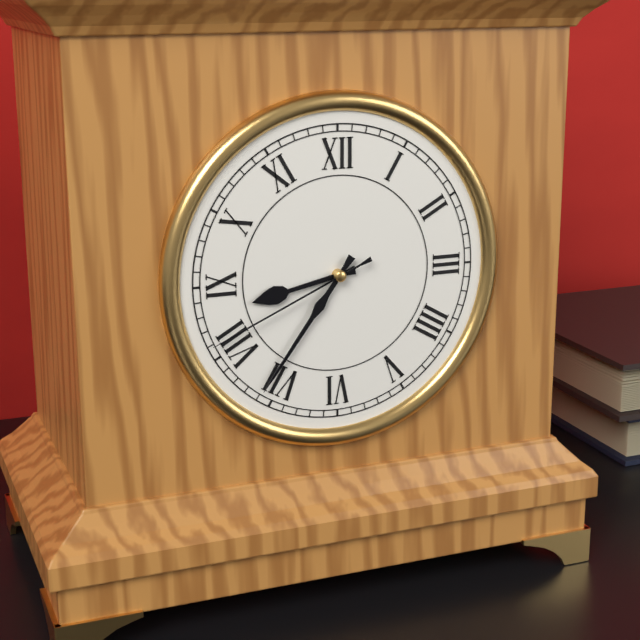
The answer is 8,36,41
